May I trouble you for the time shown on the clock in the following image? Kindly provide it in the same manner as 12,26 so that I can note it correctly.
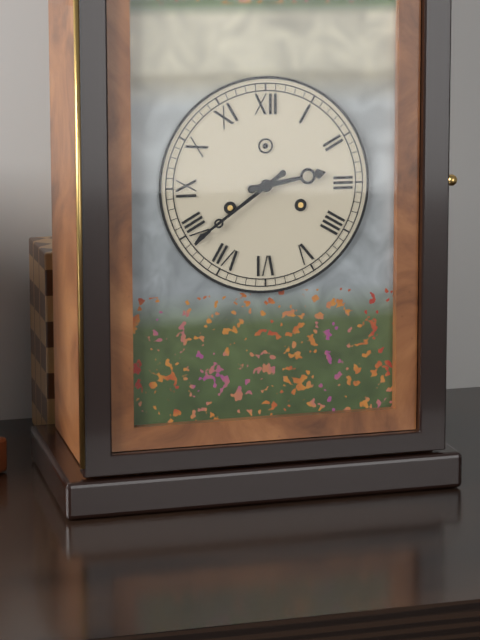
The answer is 2,39
